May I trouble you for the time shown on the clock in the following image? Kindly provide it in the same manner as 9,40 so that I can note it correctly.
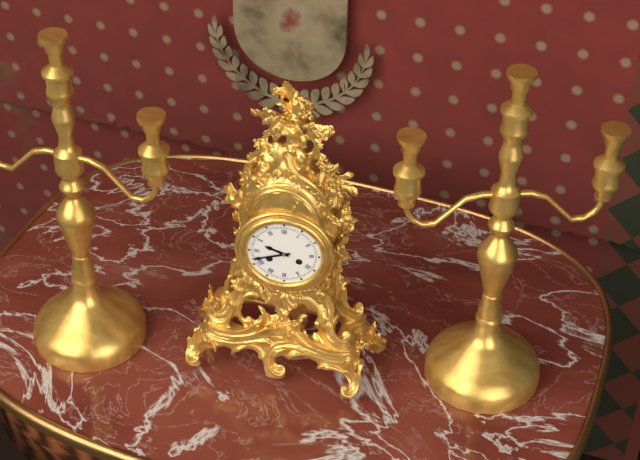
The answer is 9,42
